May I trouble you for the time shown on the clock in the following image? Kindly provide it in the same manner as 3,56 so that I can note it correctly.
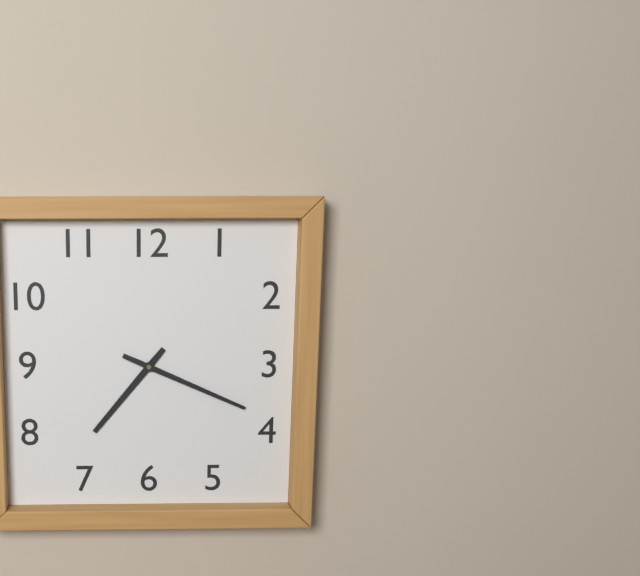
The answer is 7,19
